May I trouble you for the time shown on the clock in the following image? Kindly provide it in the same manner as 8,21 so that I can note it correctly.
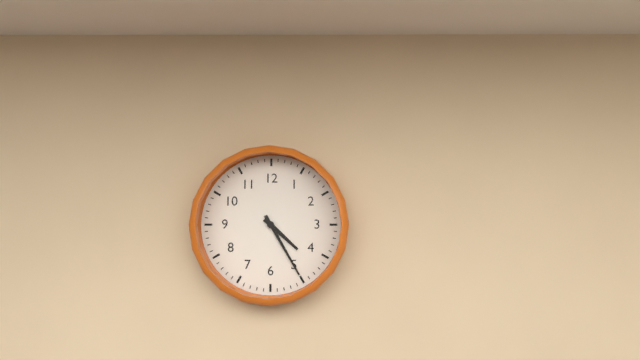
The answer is 4,25
